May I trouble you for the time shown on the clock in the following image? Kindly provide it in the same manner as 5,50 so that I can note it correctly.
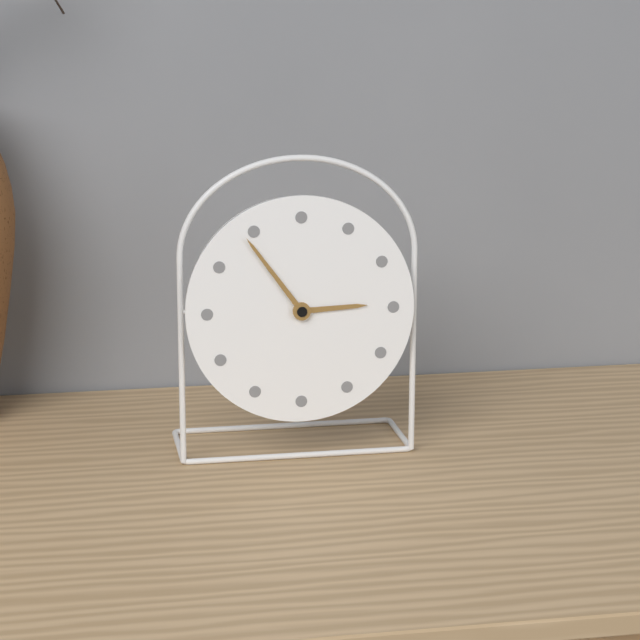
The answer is 2,54
